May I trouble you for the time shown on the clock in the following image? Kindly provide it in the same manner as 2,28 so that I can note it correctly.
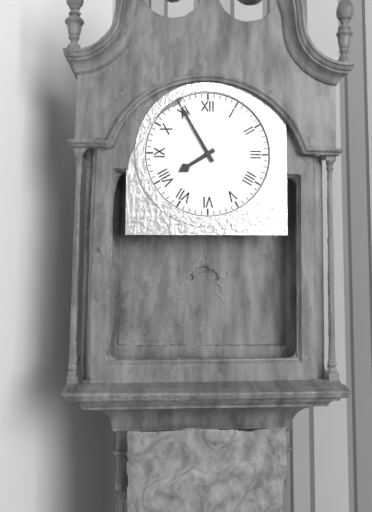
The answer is 7,55
